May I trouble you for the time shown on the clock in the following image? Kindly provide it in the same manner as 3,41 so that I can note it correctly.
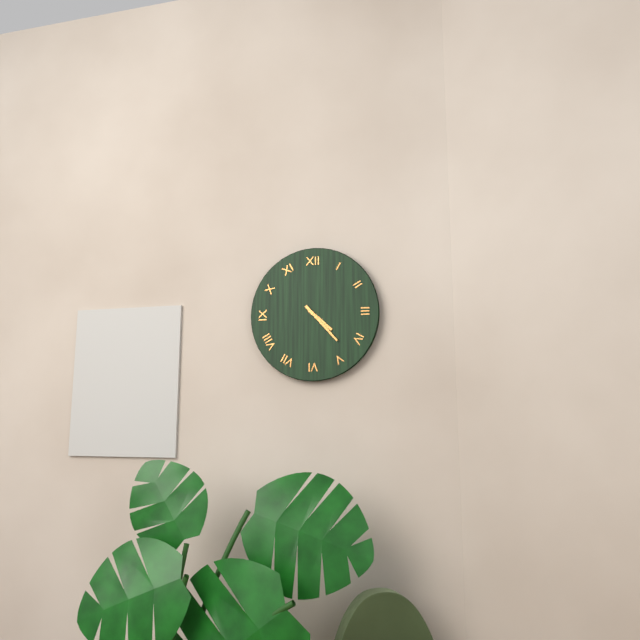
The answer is 4,23
